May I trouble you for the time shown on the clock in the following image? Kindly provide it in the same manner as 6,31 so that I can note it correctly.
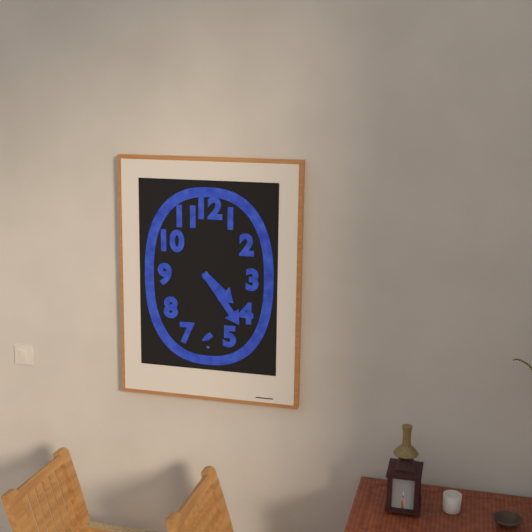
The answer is 4,24
